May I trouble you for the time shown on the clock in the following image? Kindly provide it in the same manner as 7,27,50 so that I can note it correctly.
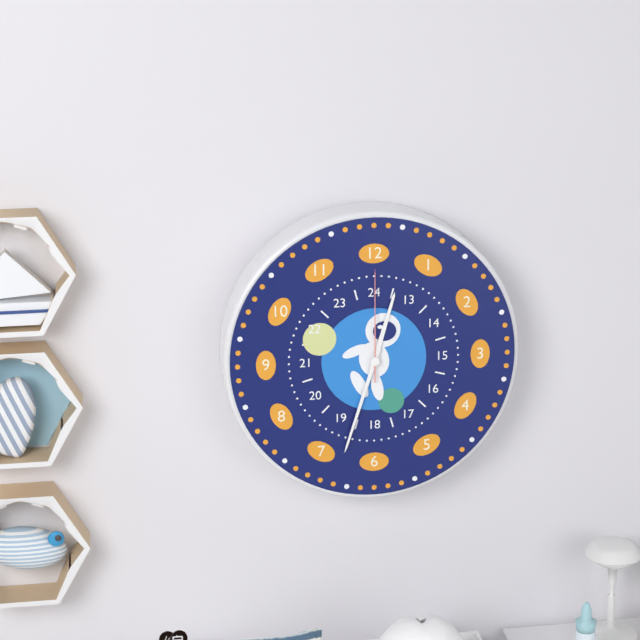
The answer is 12,33,00
